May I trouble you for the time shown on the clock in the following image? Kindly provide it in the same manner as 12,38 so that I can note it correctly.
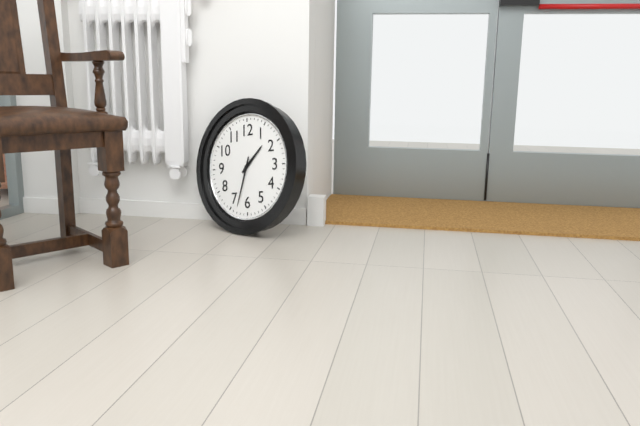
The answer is 1,33
